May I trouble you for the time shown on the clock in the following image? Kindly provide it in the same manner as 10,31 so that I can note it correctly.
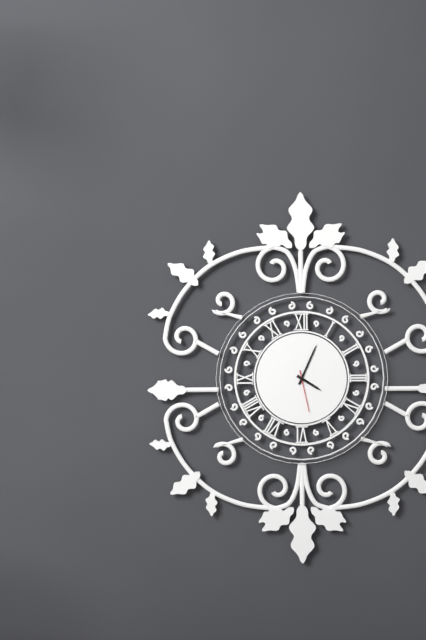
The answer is 4,04
